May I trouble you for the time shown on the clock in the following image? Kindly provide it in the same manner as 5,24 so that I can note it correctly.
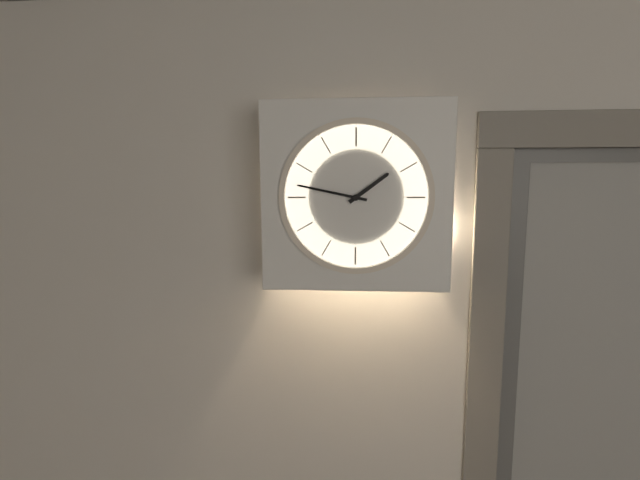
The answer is 1,47
